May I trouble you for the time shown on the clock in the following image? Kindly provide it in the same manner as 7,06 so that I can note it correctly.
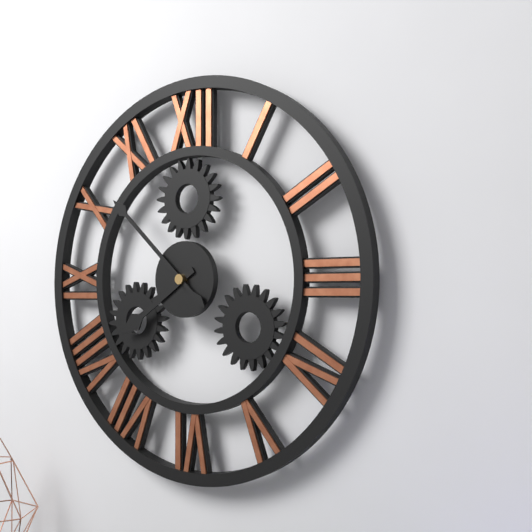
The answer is 7,52
